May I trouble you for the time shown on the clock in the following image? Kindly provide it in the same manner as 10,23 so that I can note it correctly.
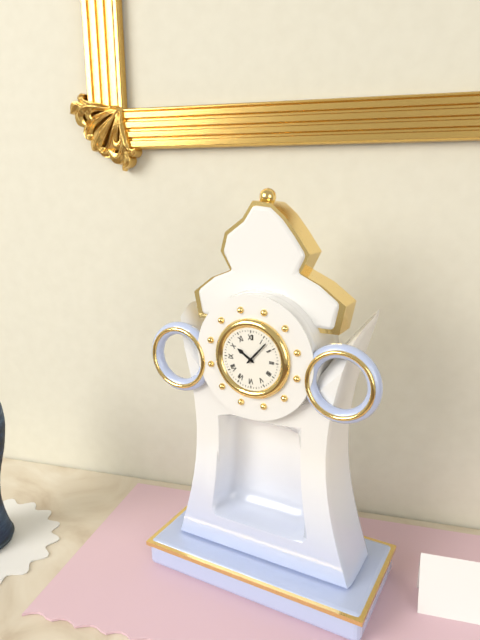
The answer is 10,07
